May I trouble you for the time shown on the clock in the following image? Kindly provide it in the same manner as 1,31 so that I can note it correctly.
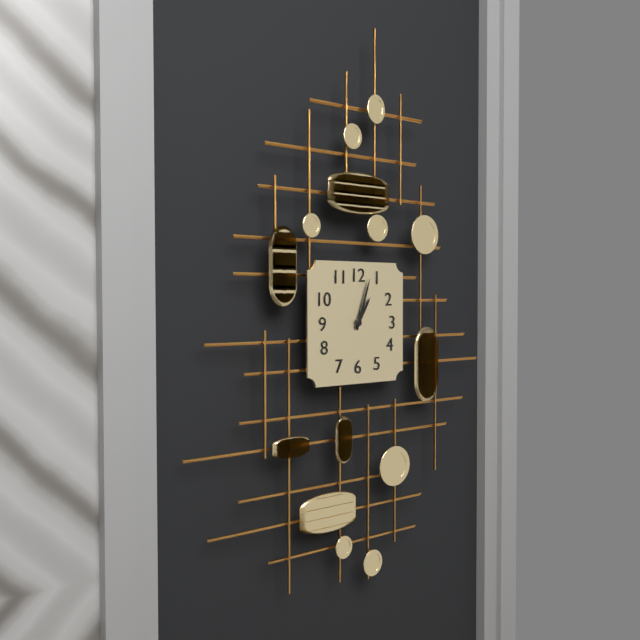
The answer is 1,03
